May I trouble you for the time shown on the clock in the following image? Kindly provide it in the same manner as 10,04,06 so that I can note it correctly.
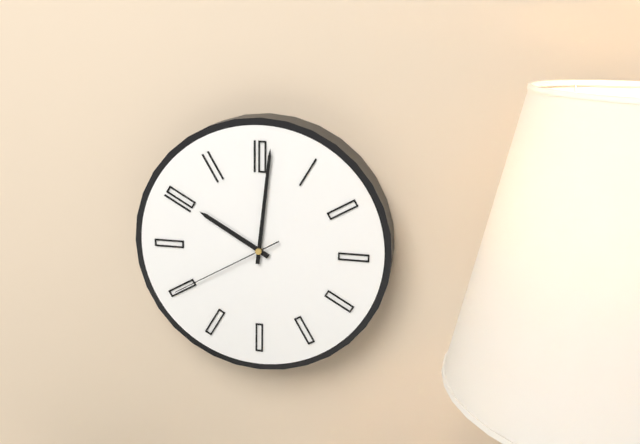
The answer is 10,01,40
